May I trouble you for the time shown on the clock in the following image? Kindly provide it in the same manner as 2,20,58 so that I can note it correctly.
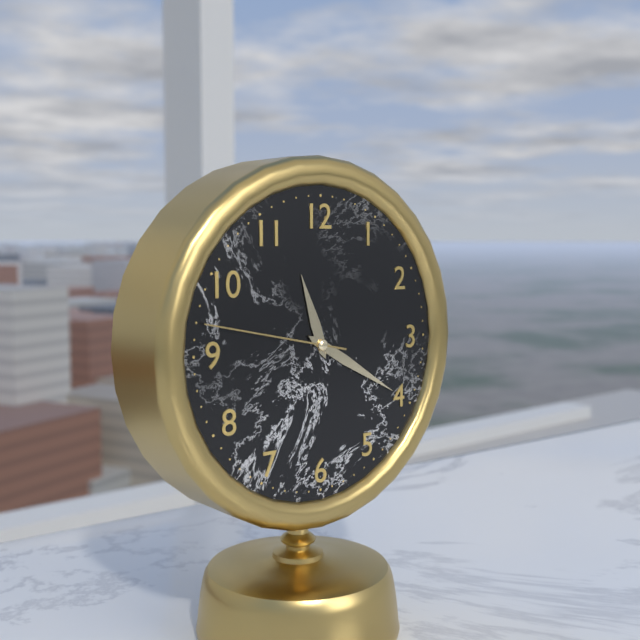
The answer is 11,20,47
